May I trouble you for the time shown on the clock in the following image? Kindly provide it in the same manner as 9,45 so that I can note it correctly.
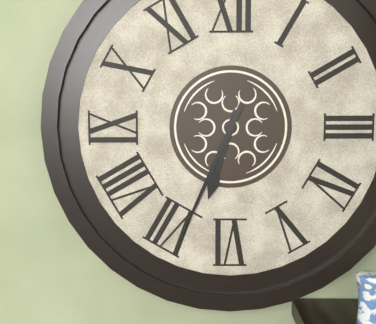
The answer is 6,34
